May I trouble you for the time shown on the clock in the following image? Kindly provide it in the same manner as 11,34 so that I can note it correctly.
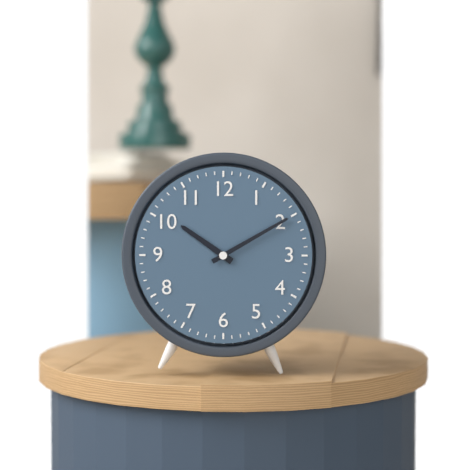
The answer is 10,10
